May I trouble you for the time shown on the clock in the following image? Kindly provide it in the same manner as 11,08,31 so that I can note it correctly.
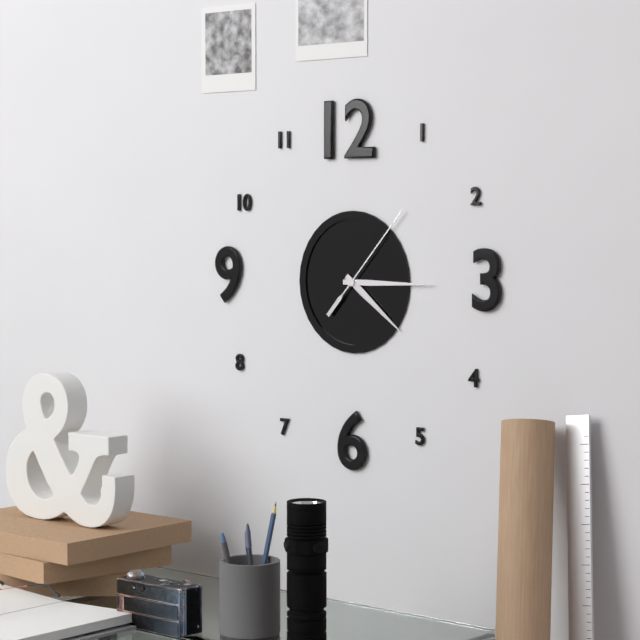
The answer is 4,15,07
